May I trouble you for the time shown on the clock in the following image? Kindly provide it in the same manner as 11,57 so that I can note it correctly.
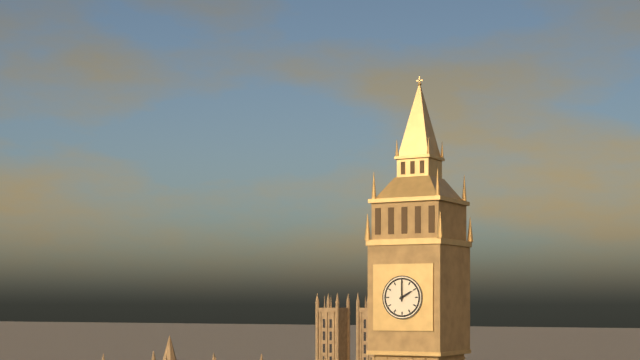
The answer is 2,00
